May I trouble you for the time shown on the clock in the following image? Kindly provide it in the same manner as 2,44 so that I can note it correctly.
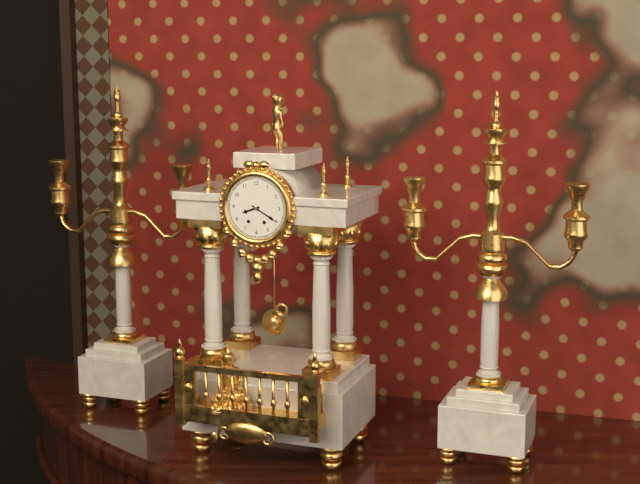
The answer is 8,20
